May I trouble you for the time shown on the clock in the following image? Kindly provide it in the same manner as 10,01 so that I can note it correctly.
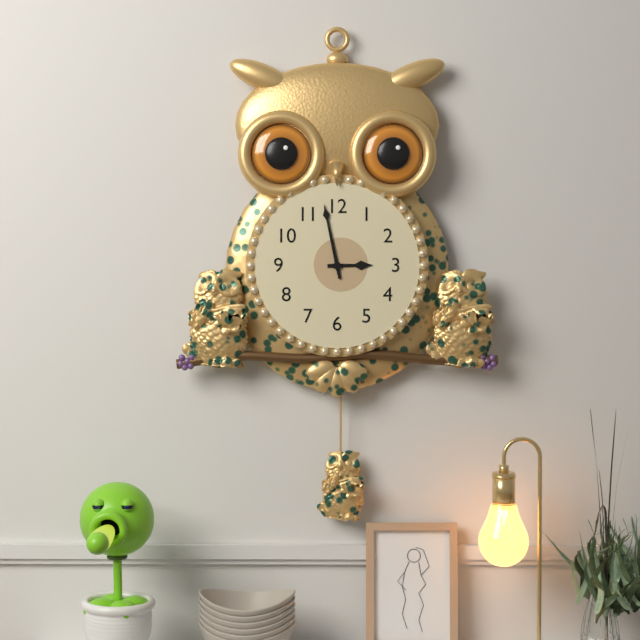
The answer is 2,58
